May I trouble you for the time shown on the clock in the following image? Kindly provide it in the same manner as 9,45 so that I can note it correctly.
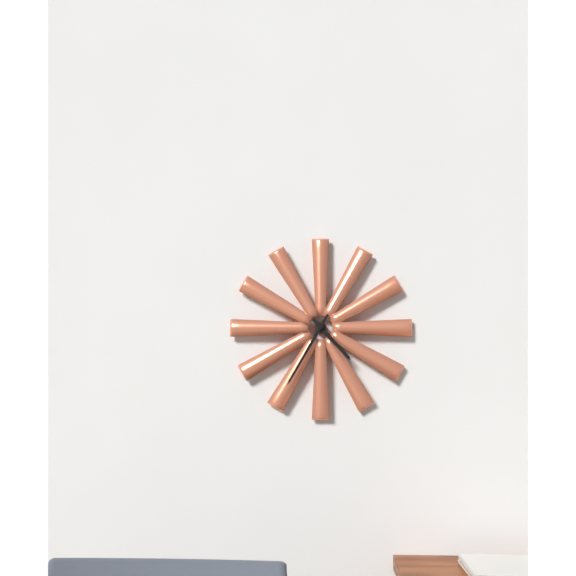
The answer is 4,35
